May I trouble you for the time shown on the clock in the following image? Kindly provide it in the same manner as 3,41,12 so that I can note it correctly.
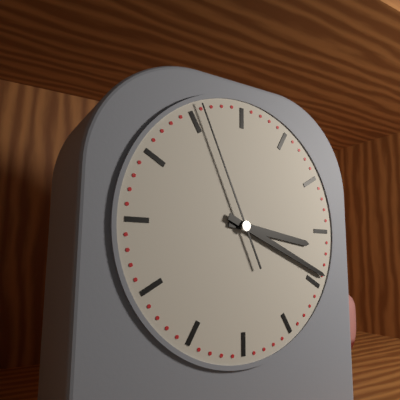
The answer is 3,19,56
